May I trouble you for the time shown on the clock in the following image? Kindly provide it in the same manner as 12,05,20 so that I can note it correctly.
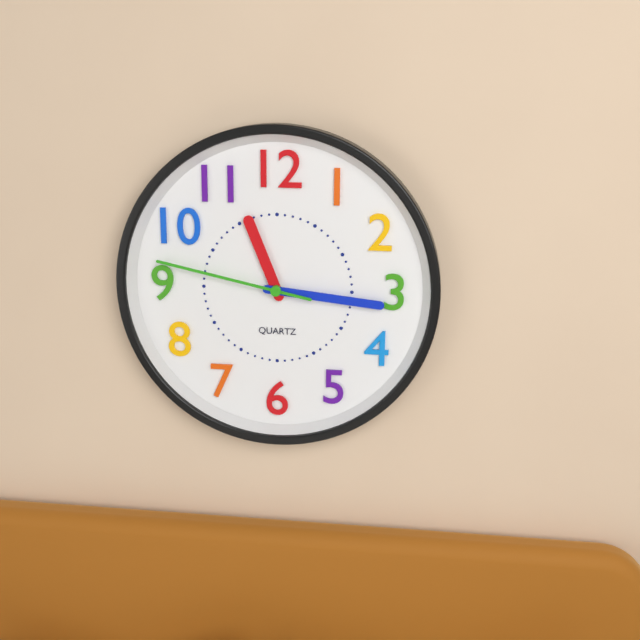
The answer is 11,16,47
